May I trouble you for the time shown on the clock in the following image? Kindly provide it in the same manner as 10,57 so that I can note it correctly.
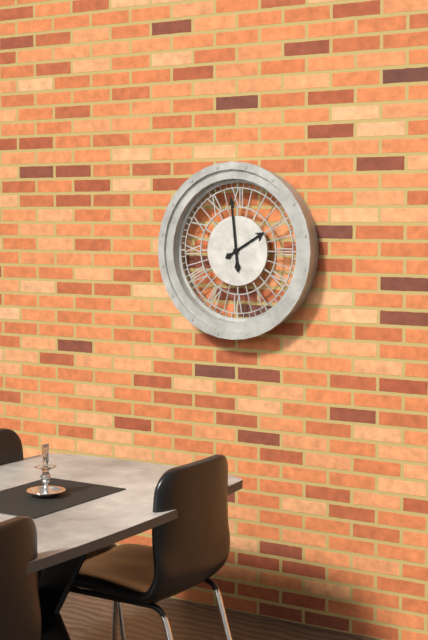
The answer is 1,59
